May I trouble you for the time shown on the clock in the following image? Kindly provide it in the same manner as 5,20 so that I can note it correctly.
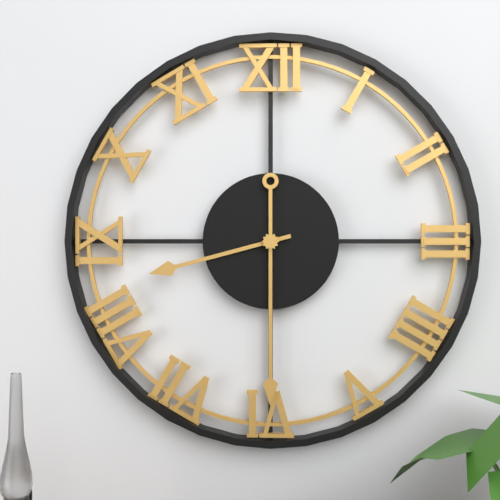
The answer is 8,30
